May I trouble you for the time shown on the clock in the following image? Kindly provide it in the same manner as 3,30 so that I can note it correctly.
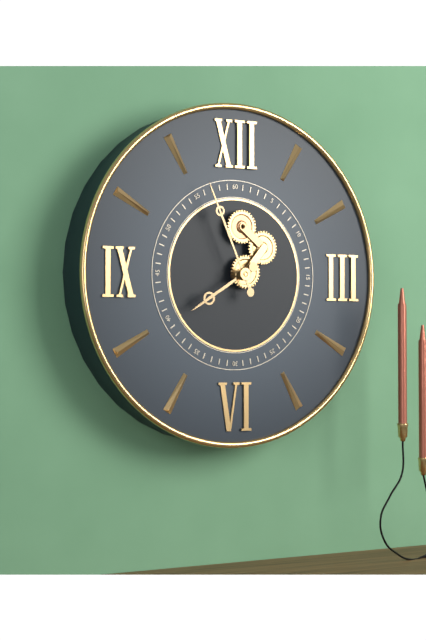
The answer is 7,56
